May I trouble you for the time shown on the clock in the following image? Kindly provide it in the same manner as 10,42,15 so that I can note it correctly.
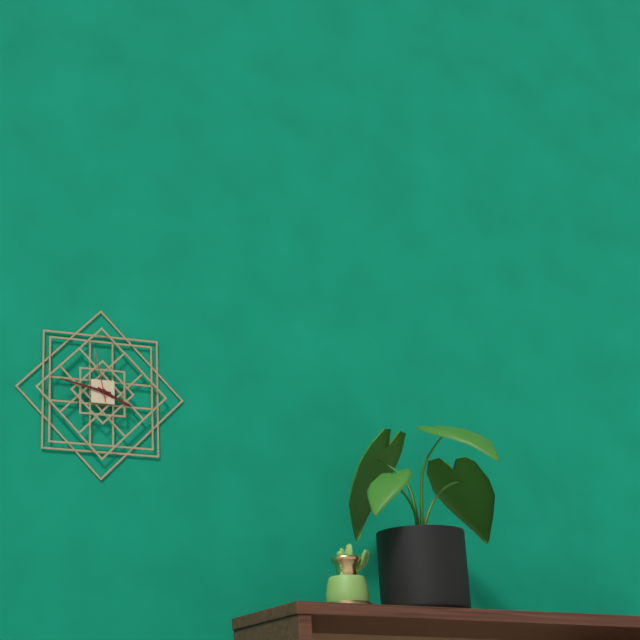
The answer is 3,47,58
